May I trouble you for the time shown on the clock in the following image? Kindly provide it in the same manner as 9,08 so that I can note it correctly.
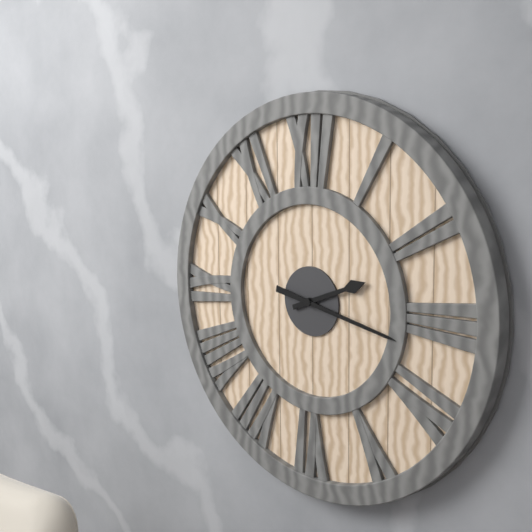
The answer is 2,17
